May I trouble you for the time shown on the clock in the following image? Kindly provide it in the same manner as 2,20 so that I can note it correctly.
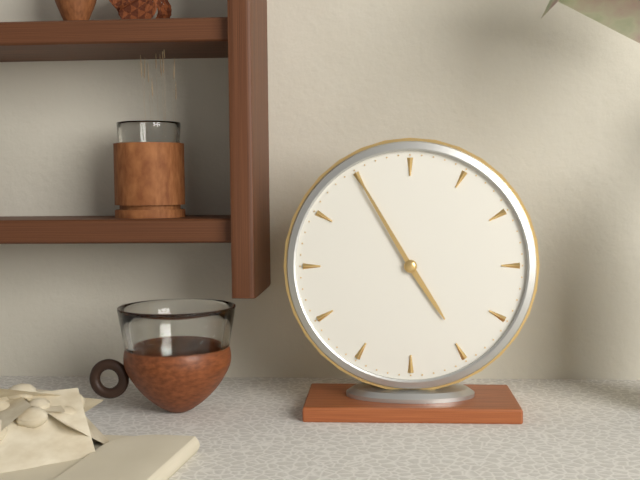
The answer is 4,55
